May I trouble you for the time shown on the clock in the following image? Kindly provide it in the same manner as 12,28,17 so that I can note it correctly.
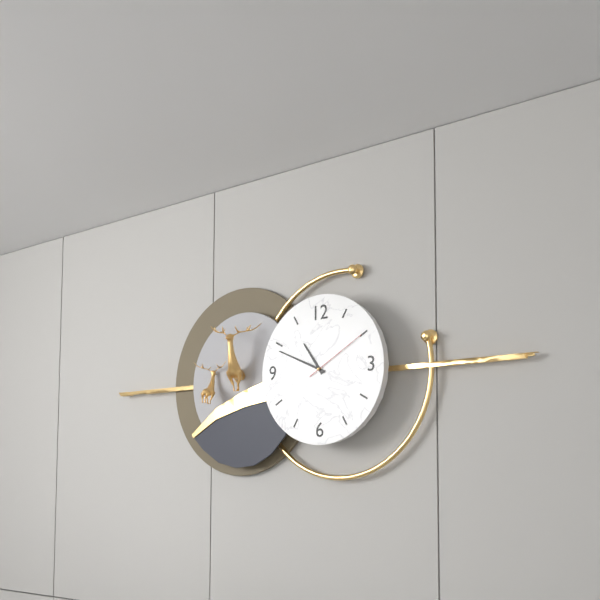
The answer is 10,49,10
